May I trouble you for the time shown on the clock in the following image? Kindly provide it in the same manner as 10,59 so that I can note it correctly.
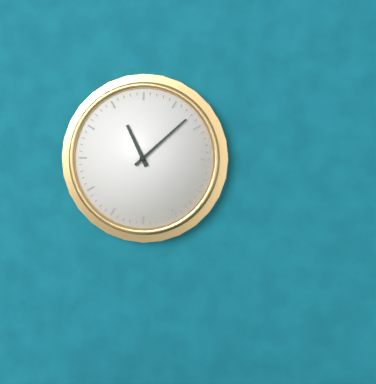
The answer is 11,08
